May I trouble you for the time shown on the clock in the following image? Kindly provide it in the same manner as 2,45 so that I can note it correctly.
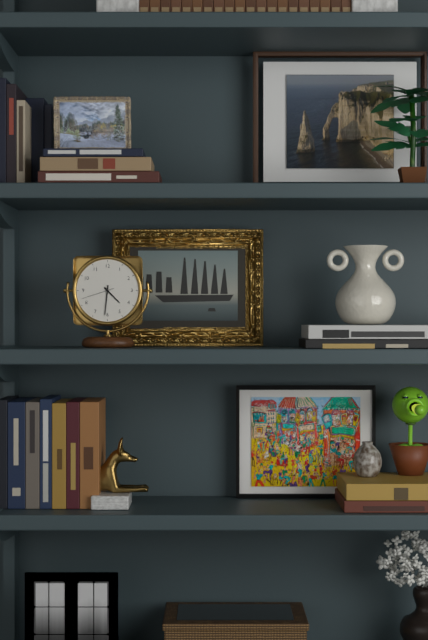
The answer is 4,31
